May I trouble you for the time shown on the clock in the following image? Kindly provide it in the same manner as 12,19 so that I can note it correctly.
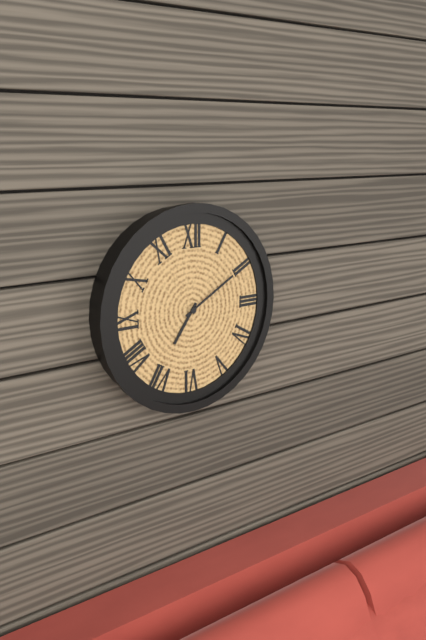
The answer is 7,10
